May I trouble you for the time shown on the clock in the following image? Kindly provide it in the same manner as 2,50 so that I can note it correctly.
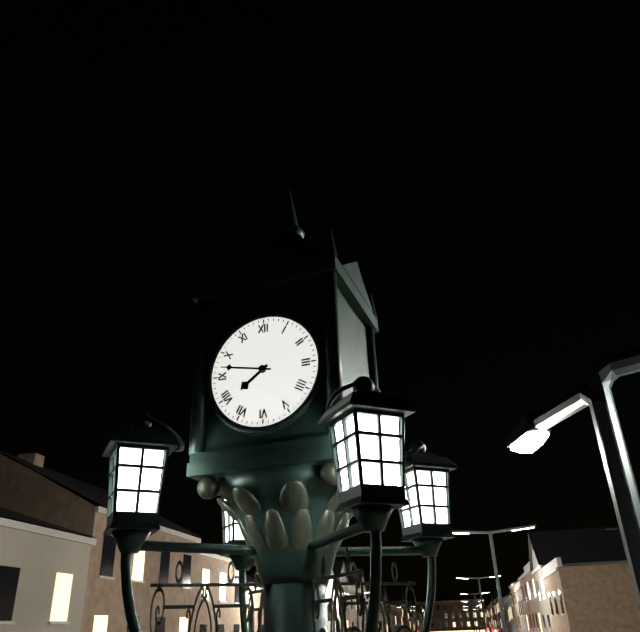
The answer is 7,47
